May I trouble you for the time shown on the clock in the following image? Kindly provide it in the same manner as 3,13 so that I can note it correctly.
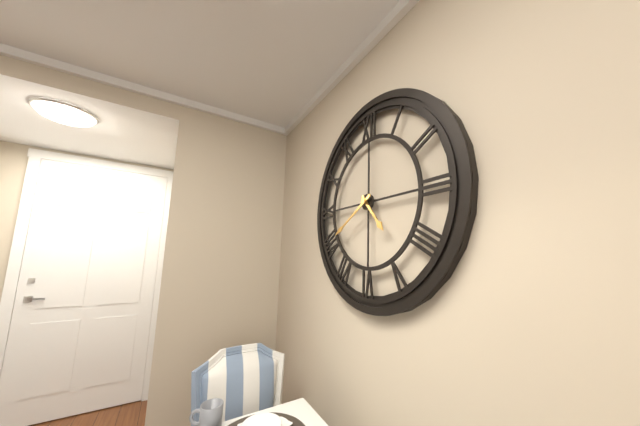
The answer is 4,40
